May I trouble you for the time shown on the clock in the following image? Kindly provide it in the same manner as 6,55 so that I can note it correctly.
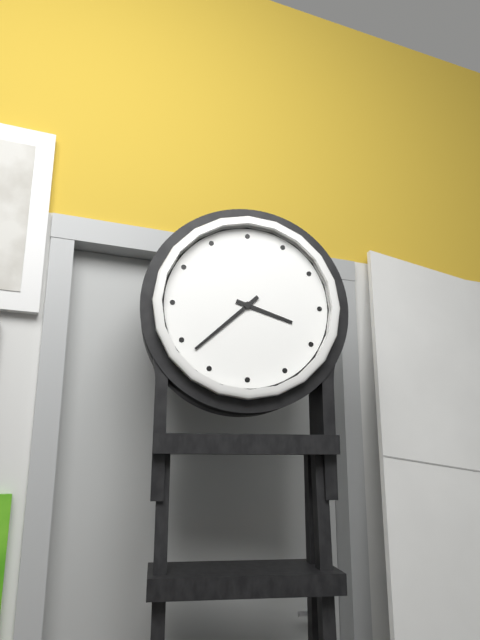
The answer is 3,38
